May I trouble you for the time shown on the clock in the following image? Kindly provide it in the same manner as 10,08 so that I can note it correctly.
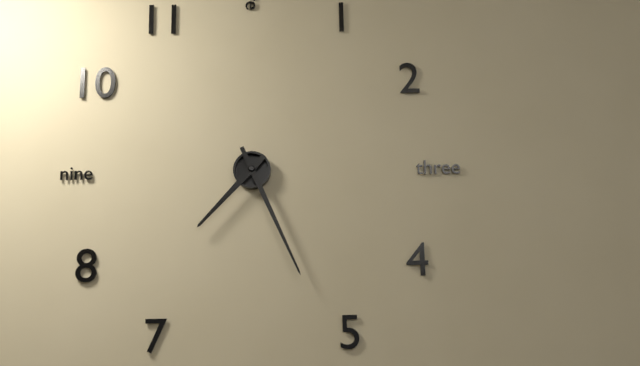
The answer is 7,26
